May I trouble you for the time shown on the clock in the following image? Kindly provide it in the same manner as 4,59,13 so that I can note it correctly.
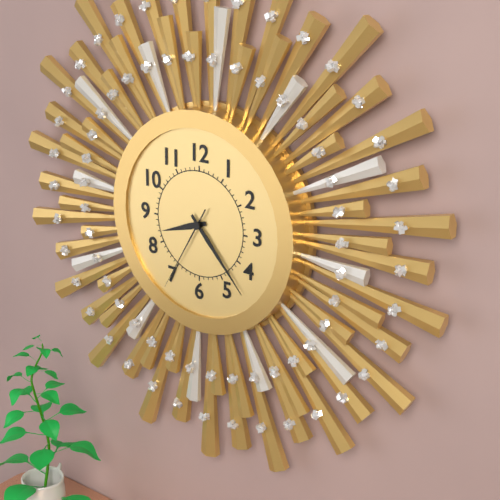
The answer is 8,23,35
